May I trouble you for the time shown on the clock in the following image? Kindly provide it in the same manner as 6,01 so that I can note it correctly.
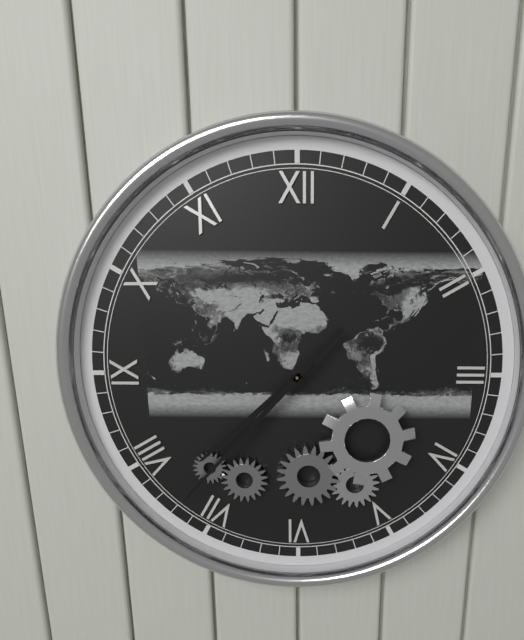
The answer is 7,37
